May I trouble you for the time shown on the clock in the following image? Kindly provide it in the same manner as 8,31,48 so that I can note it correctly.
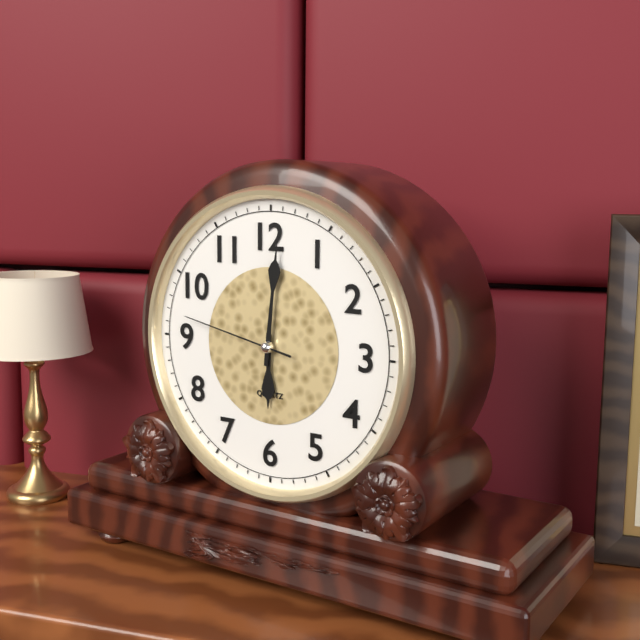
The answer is 6,01,47
